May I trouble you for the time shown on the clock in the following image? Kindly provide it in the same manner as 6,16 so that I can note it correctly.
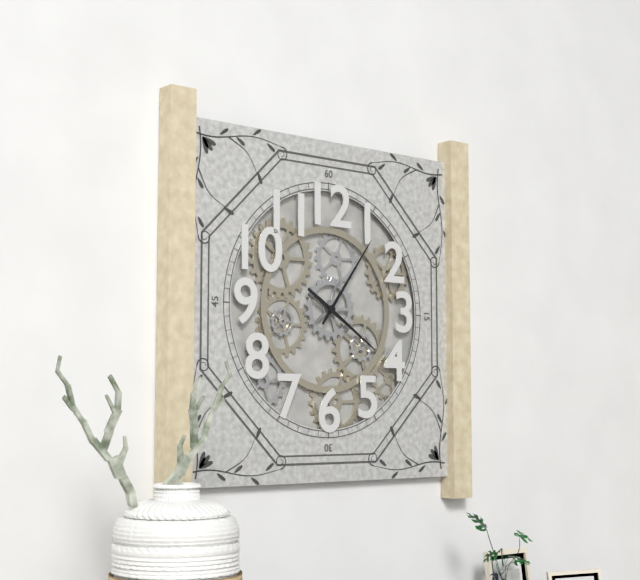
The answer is 4,06
